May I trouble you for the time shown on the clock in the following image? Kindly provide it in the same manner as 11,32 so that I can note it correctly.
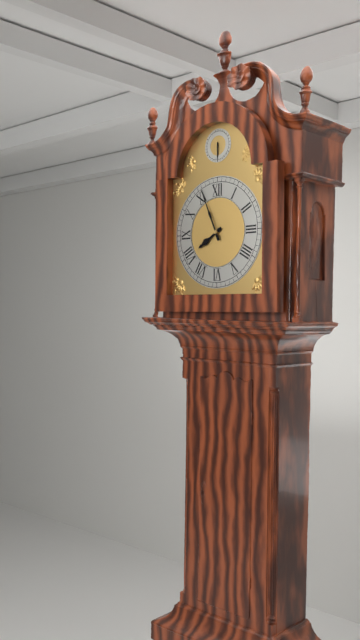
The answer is 7,56
